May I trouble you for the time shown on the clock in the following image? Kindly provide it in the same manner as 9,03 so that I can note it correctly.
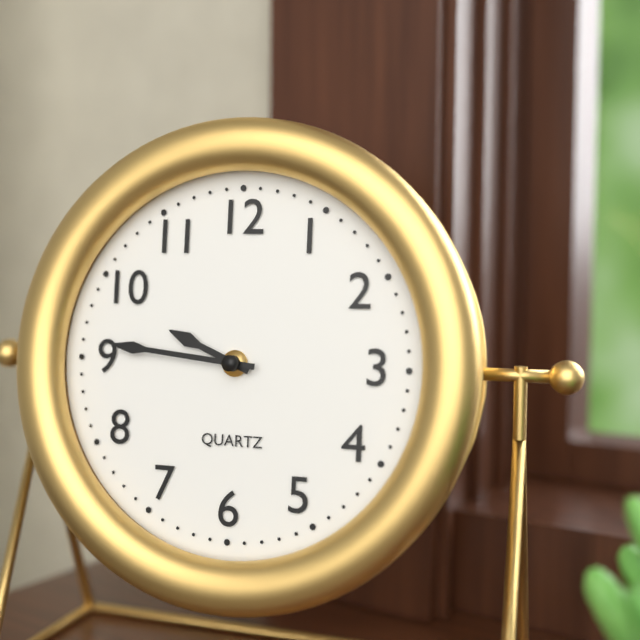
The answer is 9,46
